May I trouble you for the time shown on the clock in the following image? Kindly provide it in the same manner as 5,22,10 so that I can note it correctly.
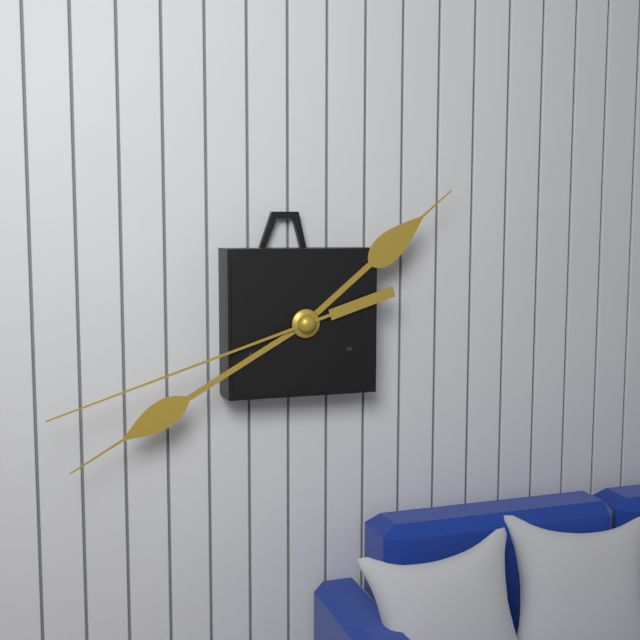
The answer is 1,40,42
